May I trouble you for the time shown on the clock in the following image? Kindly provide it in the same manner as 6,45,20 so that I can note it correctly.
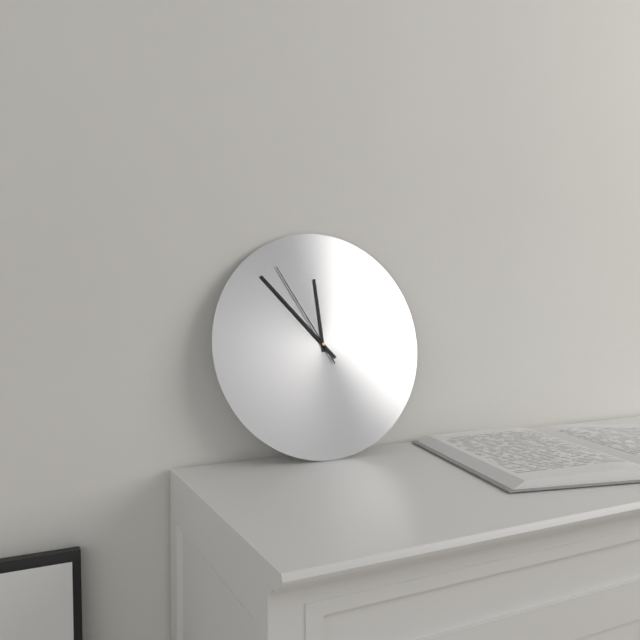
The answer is 11,53,55
